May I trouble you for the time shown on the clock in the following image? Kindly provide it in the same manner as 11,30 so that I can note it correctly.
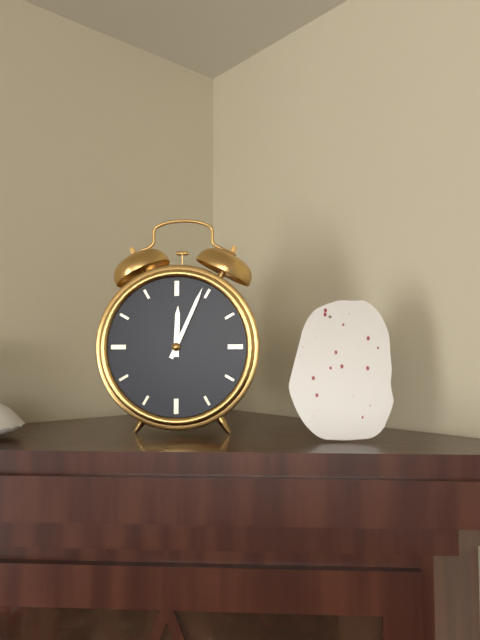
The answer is 12,04
